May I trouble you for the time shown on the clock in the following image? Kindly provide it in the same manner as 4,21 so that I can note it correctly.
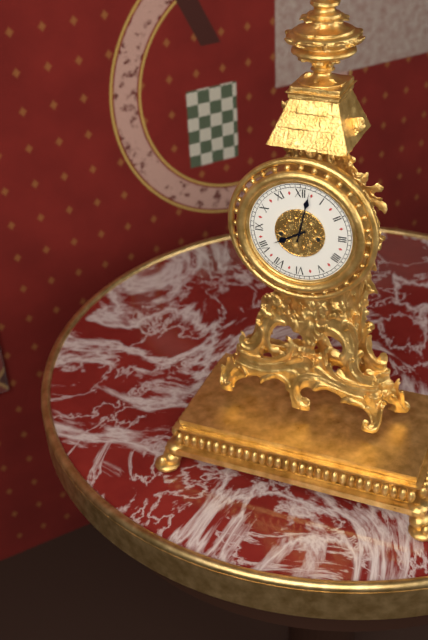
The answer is 8,02
